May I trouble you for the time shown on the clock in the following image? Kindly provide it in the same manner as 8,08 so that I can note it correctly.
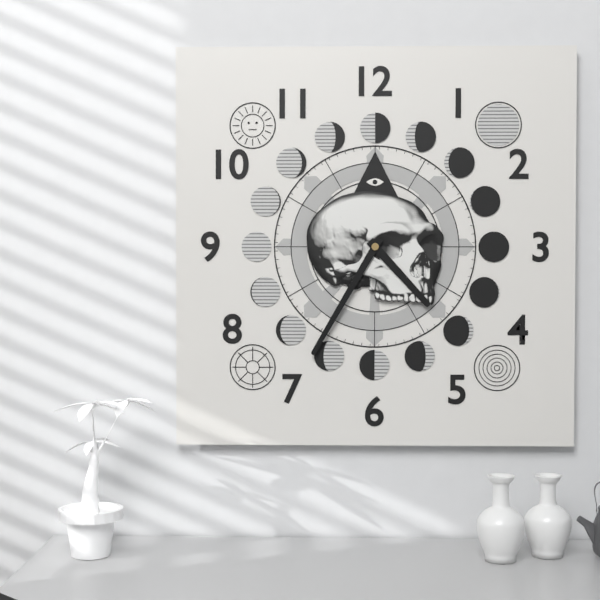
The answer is 4,35
